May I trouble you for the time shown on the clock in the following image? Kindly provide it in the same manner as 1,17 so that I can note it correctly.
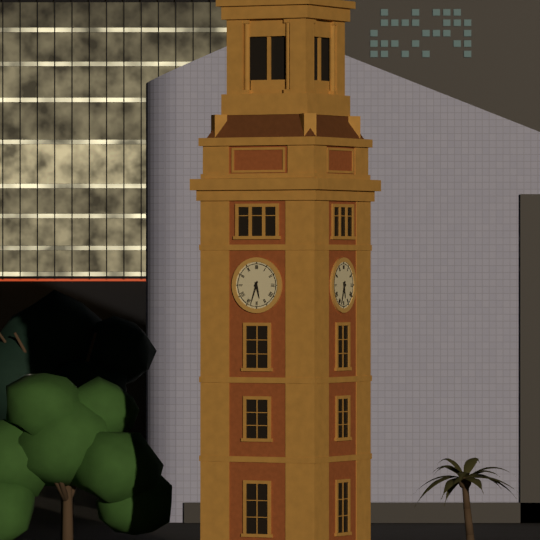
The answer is 5,33
